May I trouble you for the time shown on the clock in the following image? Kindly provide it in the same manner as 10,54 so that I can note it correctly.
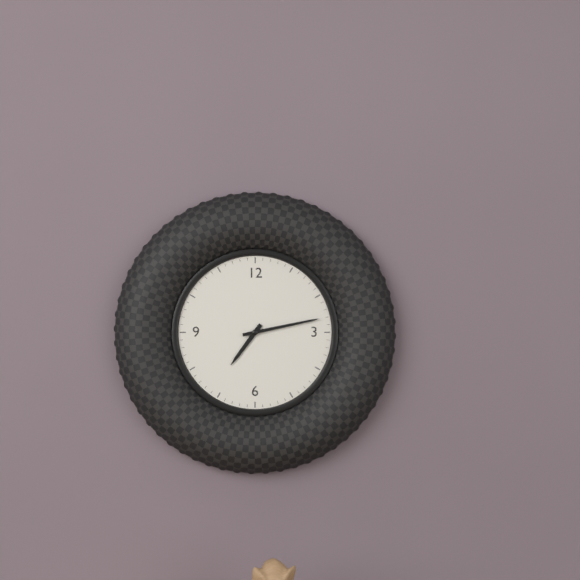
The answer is 7,13
